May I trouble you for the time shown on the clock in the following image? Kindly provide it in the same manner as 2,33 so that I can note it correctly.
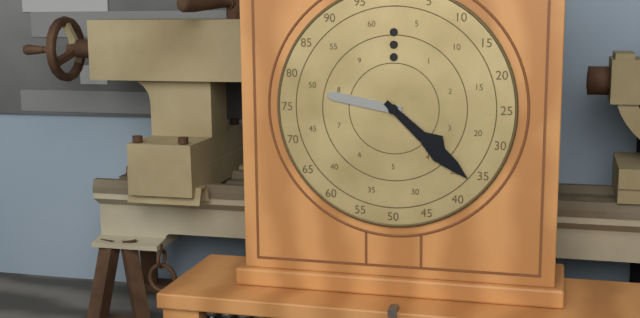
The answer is 9,22
